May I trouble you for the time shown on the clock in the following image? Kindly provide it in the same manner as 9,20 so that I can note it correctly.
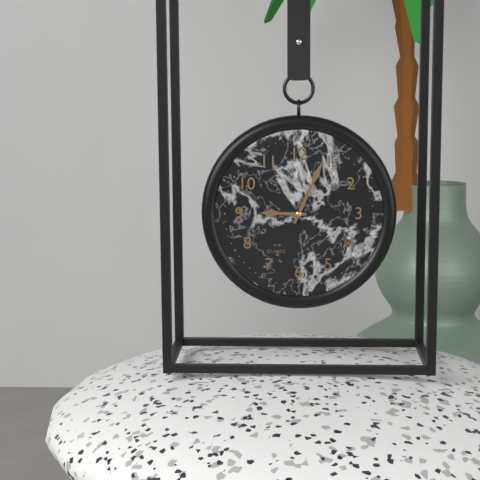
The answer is 9,04
